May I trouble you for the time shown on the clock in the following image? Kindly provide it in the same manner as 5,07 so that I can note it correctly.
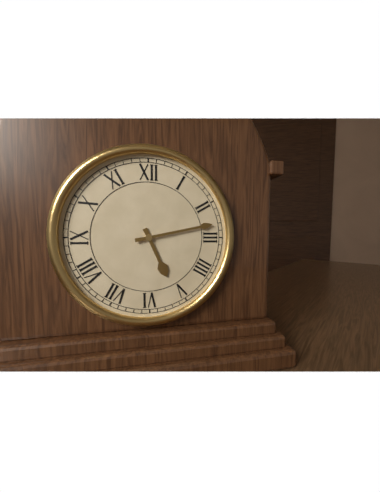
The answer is 5,13
